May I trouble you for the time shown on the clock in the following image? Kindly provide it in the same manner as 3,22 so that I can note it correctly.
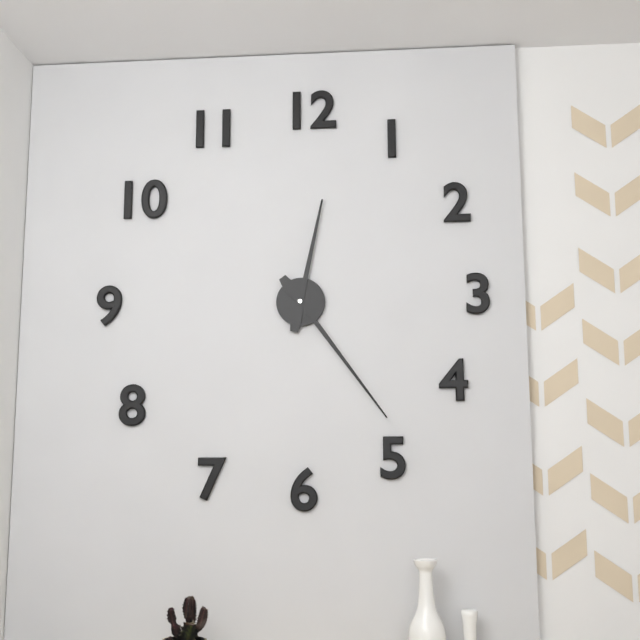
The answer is 12,24
